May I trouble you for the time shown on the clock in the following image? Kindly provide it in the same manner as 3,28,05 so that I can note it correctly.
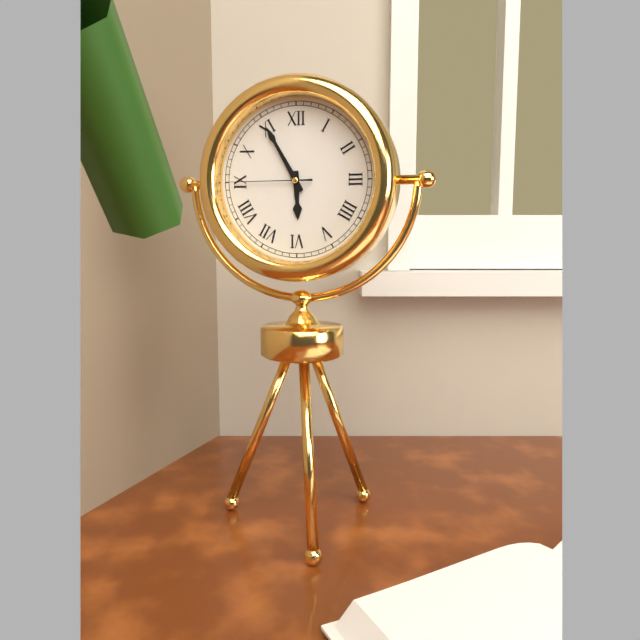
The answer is 5,55,45
